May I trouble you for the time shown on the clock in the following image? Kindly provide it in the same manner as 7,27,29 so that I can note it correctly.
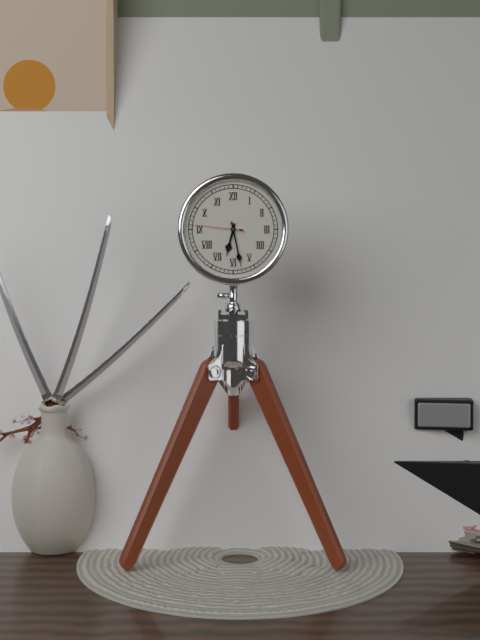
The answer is 6,28,46
